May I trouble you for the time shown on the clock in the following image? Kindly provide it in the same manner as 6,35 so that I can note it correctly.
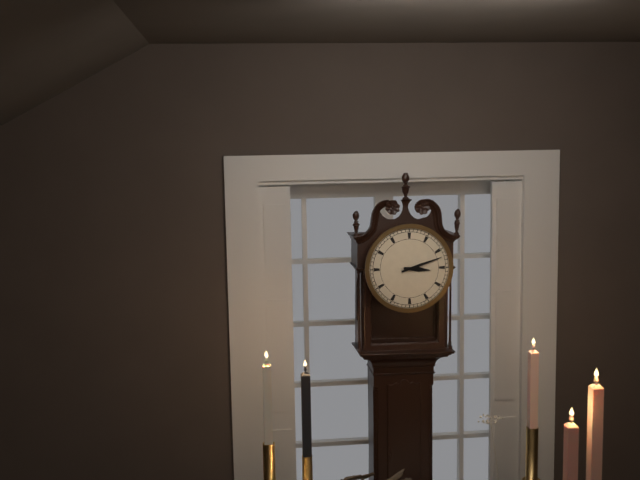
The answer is 3,12
